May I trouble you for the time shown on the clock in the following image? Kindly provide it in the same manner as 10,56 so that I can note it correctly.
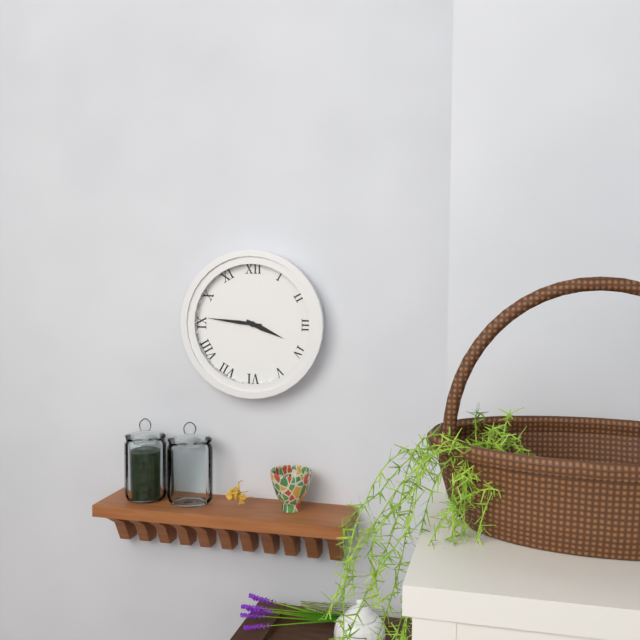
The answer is 3,46
